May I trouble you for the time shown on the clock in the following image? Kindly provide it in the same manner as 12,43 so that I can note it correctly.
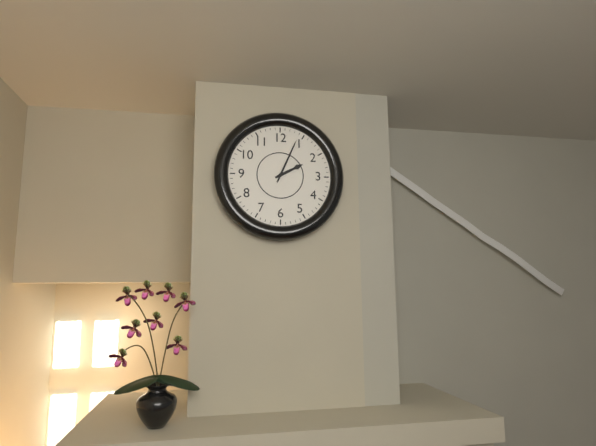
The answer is 2,04
